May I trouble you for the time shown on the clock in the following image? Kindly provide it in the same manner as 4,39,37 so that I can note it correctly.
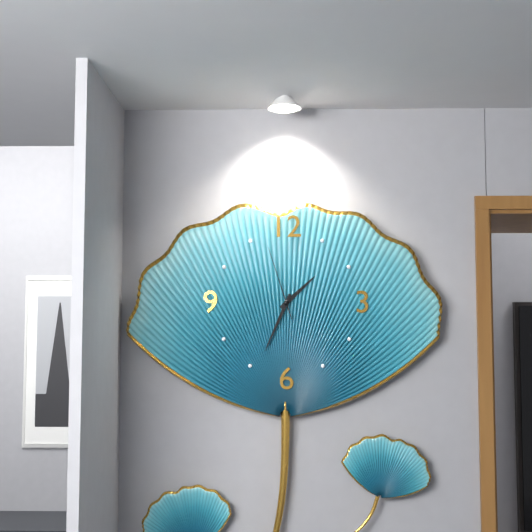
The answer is 1,34,57
